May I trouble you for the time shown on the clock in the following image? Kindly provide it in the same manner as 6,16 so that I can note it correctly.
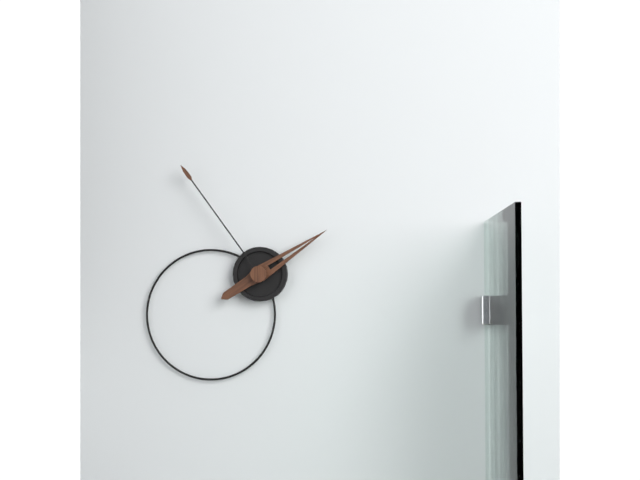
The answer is 1,54
